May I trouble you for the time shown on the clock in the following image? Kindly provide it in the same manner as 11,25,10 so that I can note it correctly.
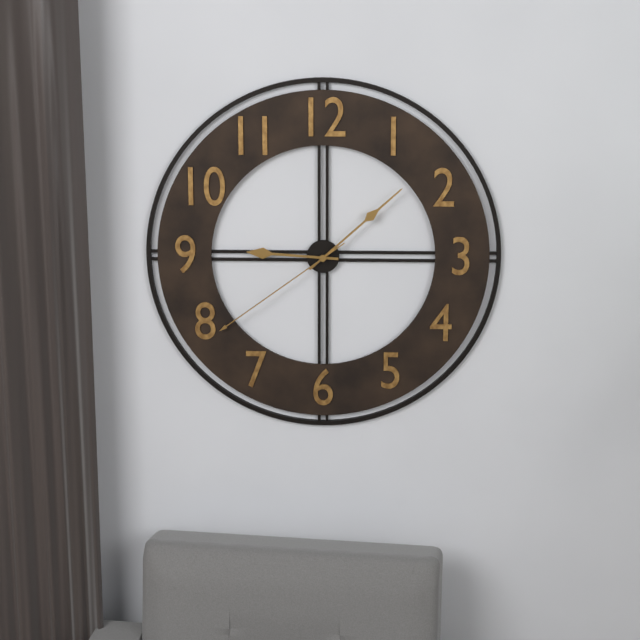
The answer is 9,08,39
